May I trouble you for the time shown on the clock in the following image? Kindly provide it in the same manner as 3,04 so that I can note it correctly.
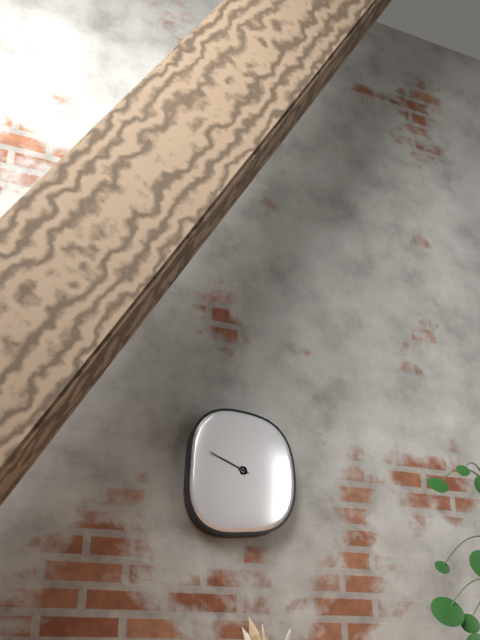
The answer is 9,49
